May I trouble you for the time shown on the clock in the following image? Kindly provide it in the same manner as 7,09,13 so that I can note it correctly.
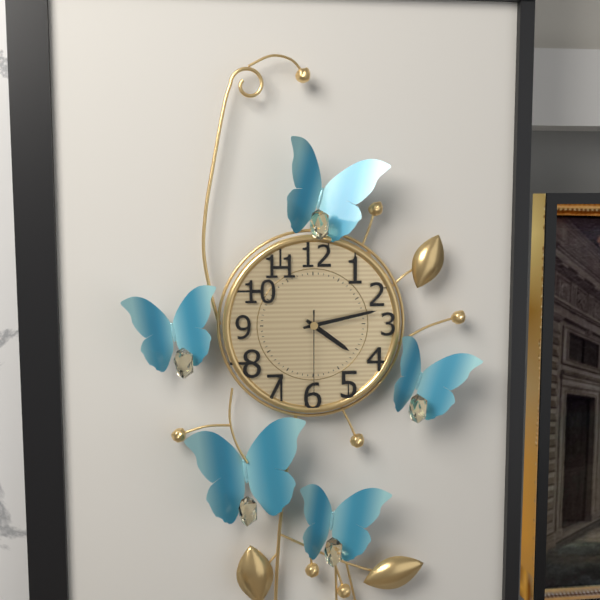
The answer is 4,13,30
